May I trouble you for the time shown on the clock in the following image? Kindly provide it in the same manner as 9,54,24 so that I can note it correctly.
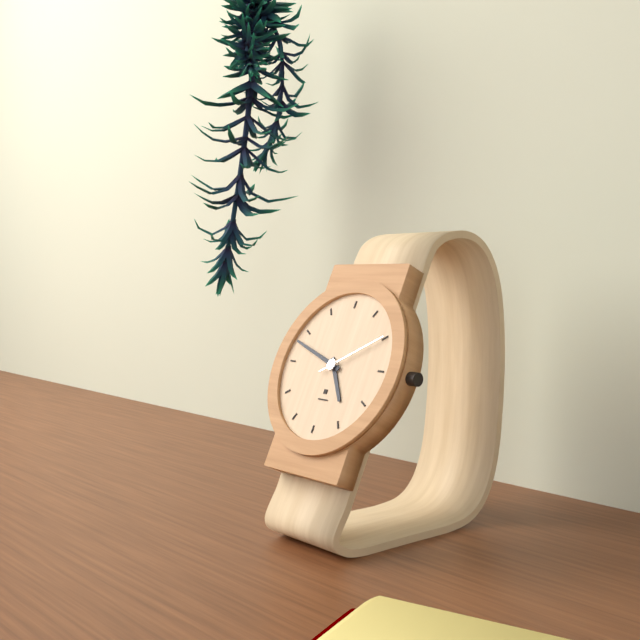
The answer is 4,48,10
